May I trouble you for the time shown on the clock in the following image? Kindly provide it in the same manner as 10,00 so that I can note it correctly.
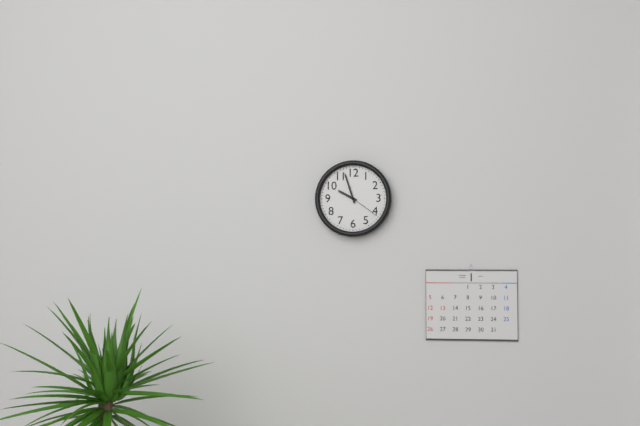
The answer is 9,57
